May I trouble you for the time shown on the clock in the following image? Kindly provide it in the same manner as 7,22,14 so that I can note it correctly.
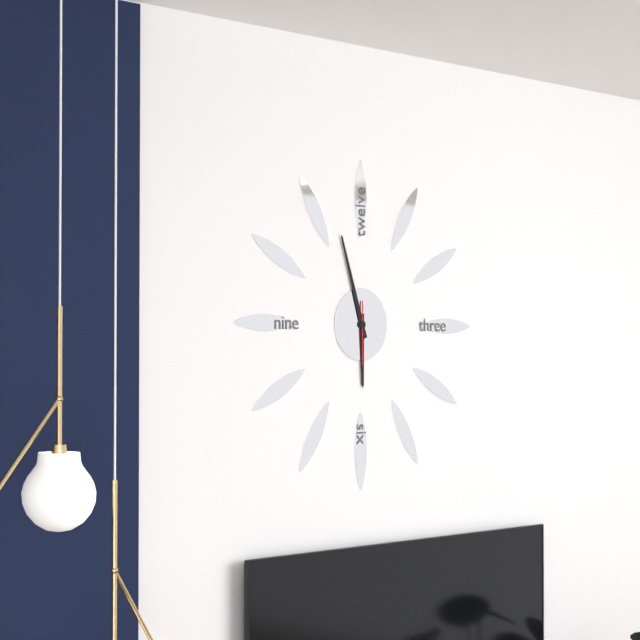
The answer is 5,57,30
